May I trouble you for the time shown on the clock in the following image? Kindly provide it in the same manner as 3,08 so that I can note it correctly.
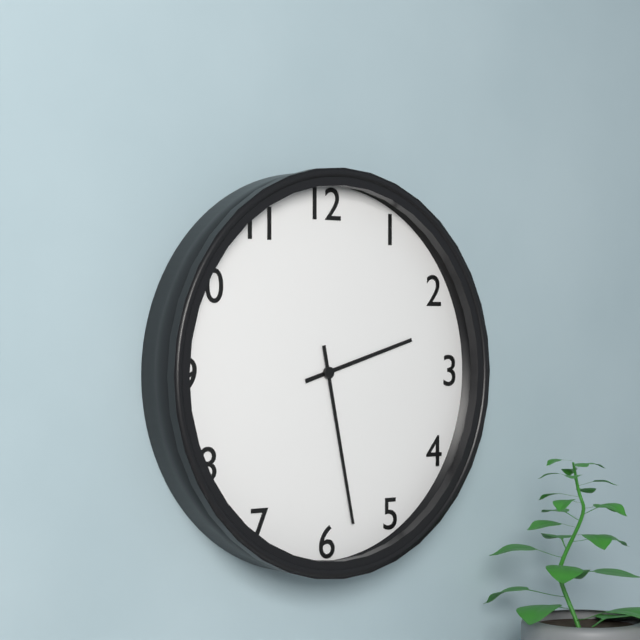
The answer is 2,28
